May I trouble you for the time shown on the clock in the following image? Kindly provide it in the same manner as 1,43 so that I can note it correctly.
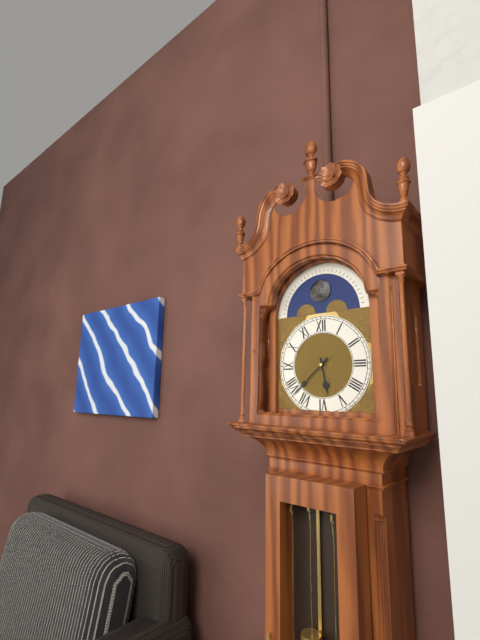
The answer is 5,38
